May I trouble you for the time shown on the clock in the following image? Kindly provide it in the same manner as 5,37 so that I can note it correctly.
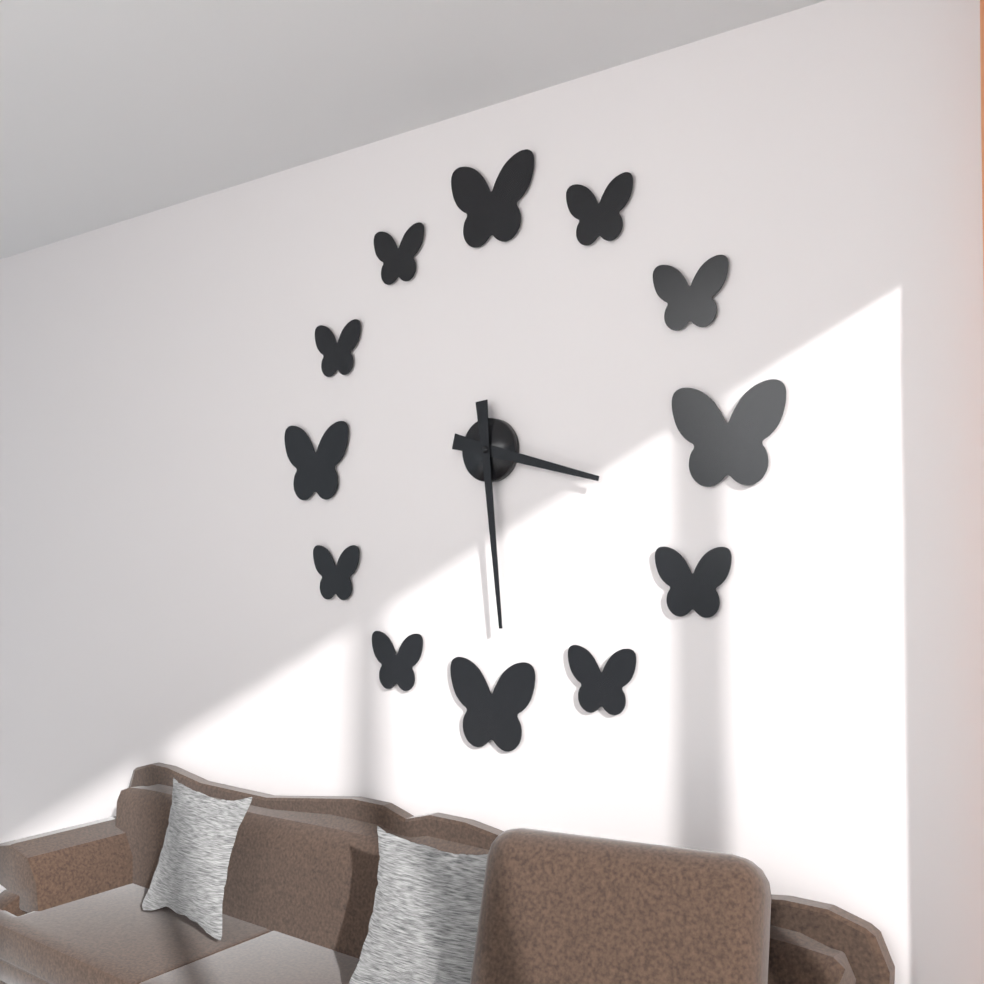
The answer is 3,29
